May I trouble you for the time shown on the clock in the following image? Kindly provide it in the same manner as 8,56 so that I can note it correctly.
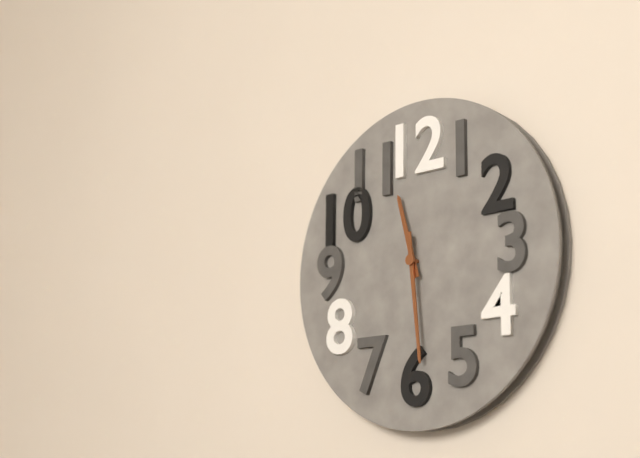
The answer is 11,29
